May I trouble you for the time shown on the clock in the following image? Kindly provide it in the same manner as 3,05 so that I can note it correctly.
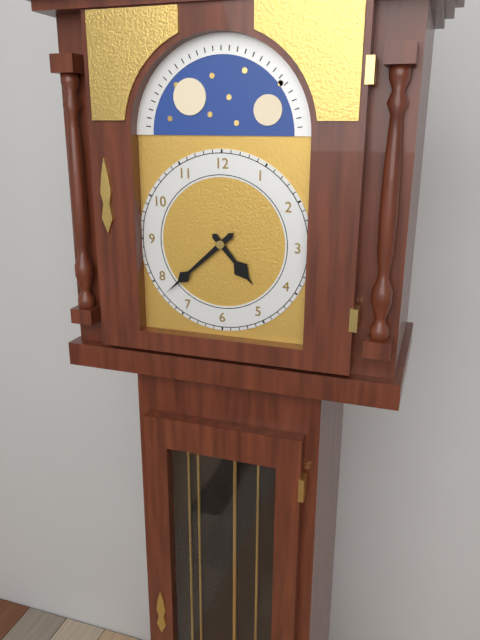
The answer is 4,38
